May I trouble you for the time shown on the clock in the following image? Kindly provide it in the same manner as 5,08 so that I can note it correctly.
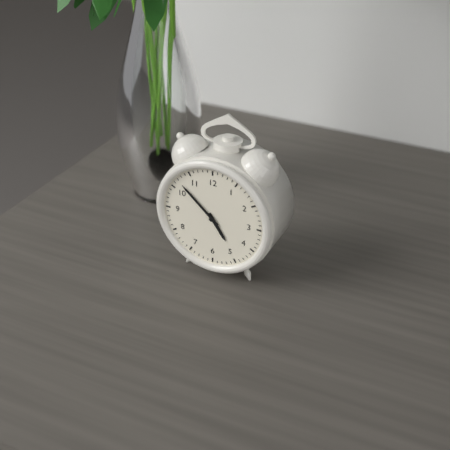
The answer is 4,52
